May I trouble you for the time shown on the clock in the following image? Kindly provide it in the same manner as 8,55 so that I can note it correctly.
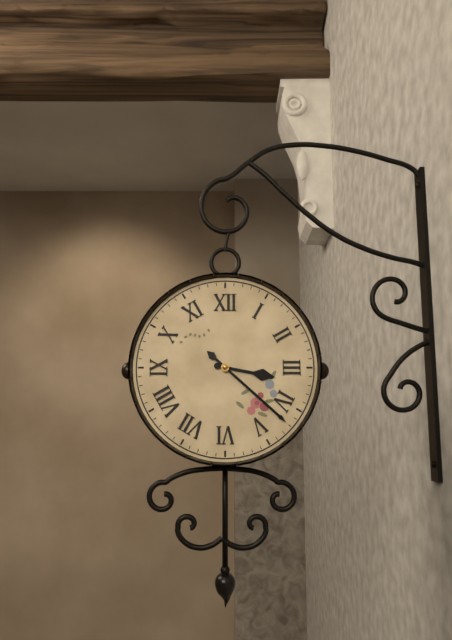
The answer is 3,22
